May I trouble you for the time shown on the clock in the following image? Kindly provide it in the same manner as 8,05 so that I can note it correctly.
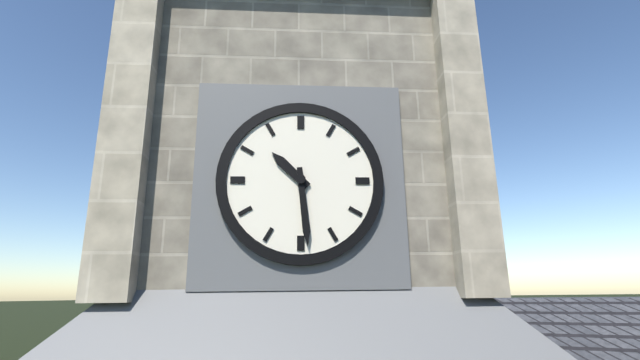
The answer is 10,29
